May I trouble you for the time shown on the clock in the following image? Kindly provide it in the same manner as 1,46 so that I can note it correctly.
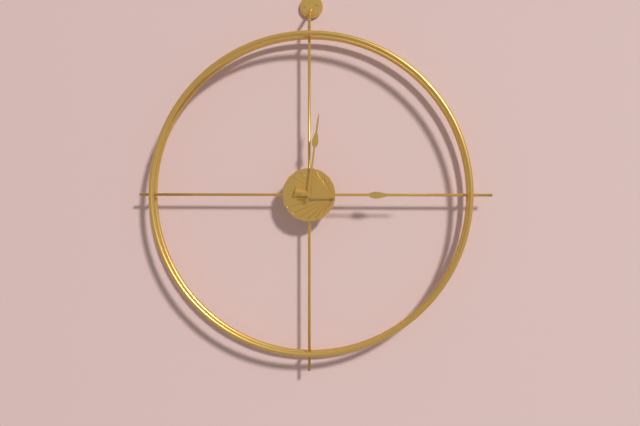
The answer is 12,15
